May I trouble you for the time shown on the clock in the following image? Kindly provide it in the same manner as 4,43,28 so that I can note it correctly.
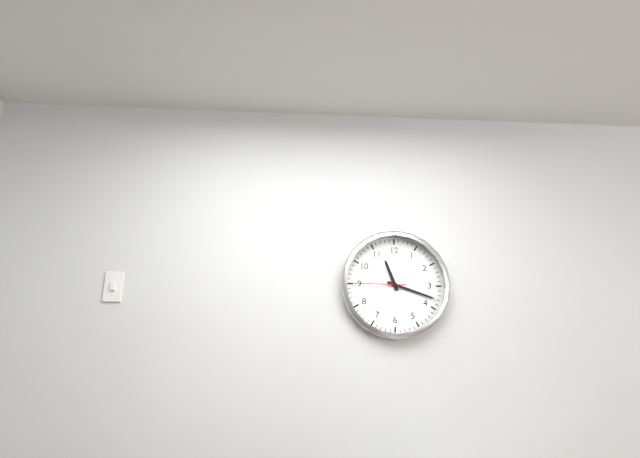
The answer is 11,18,45
